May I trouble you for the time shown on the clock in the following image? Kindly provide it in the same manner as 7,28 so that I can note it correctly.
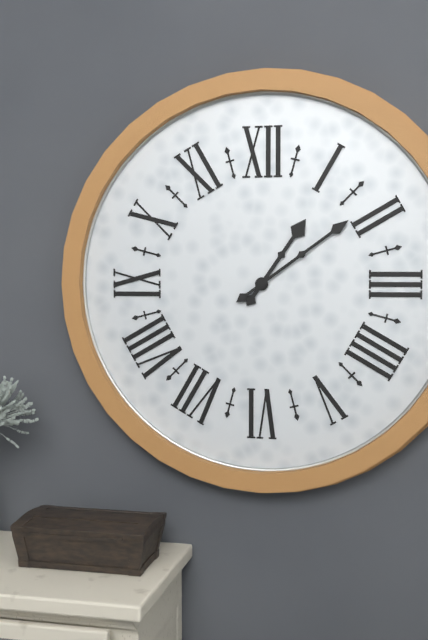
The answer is 1,09
